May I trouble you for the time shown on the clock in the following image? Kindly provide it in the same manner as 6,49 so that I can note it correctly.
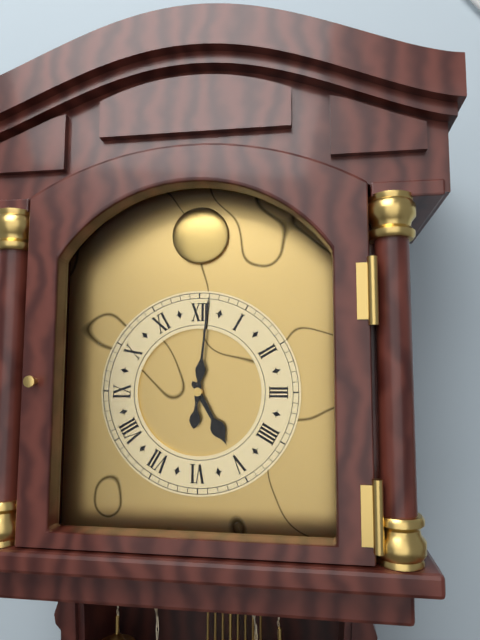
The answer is 5,01
